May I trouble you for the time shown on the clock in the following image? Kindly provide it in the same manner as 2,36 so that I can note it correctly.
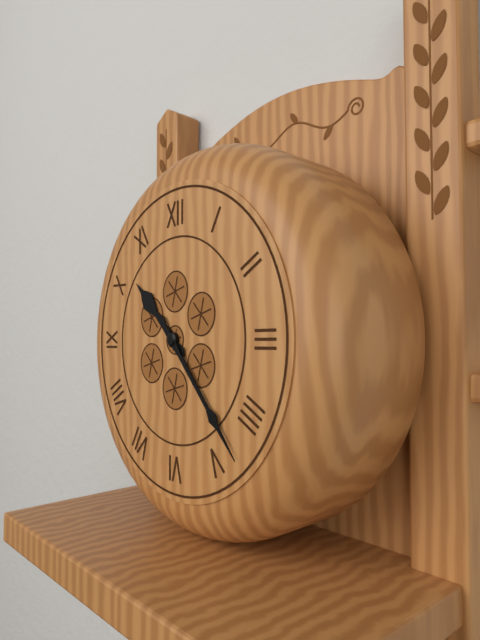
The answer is 10,23
